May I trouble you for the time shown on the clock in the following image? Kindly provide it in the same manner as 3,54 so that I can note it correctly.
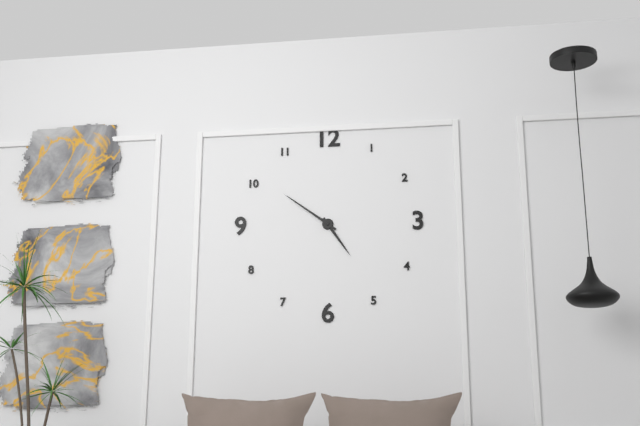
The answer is 4,51
